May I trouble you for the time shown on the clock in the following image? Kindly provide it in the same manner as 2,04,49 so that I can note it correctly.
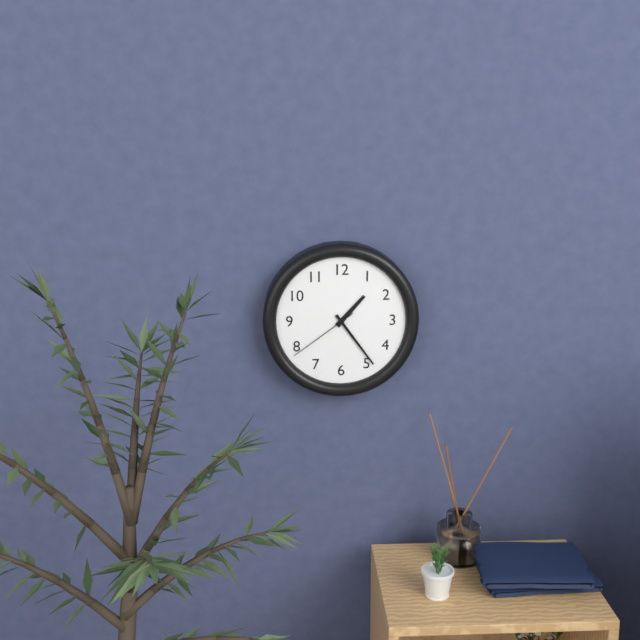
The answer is 1,24,39
